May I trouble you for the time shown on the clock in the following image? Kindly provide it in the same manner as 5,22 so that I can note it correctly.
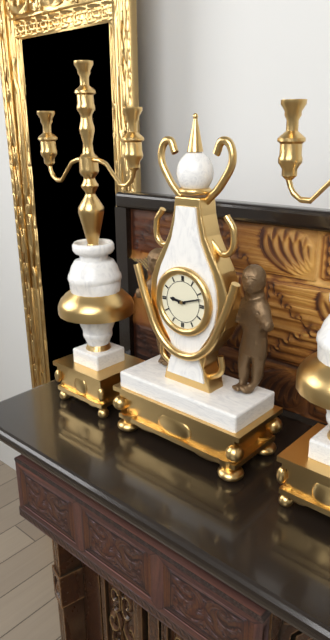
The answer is 9,12
